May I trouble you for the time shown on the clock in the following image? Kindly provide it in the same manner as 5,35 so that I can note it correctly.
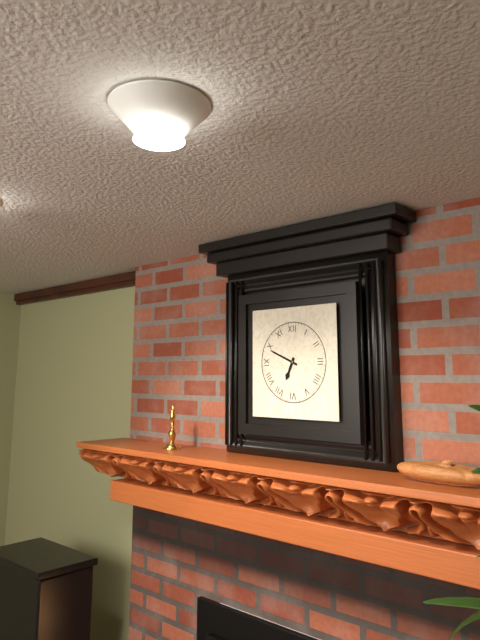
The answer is 6,49
